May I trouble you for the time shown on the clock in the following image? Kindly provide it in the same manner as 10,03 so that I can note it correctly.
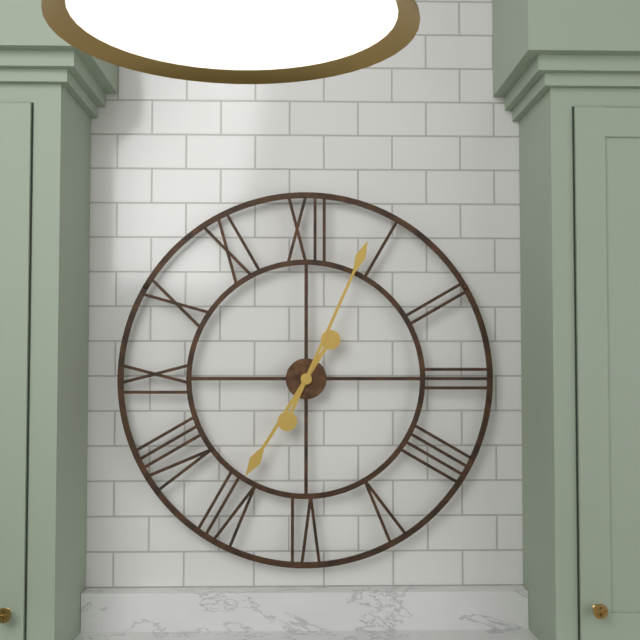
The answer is 7,04
